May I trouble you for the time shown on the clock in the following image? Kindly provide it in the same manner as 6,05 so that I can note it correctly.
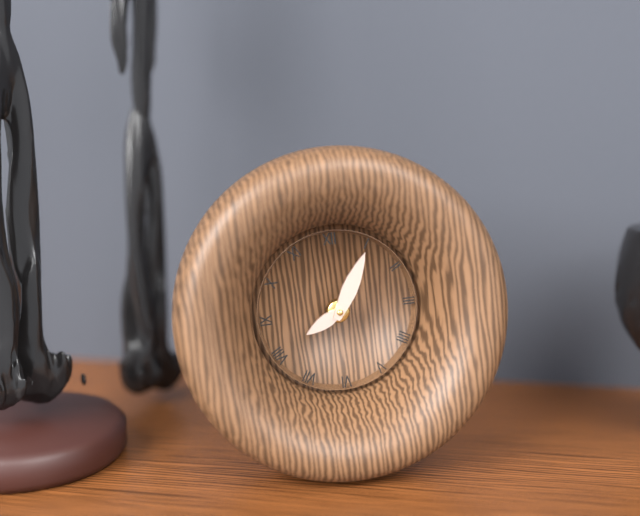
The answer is 8,05
